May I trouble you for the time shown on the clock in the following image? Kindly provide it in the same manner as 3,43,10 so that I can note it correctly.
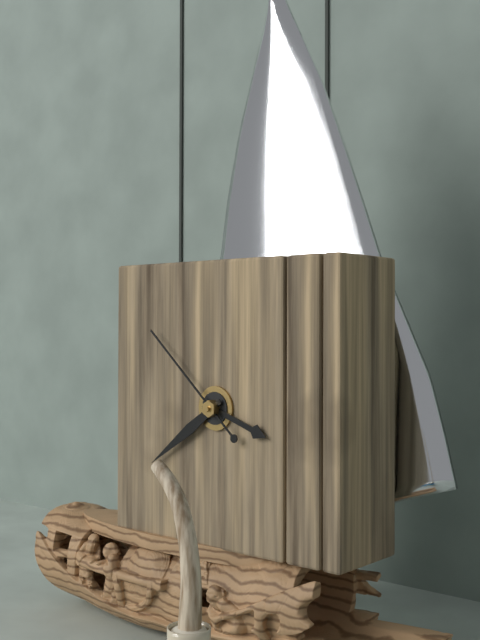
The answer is 3,39,52
